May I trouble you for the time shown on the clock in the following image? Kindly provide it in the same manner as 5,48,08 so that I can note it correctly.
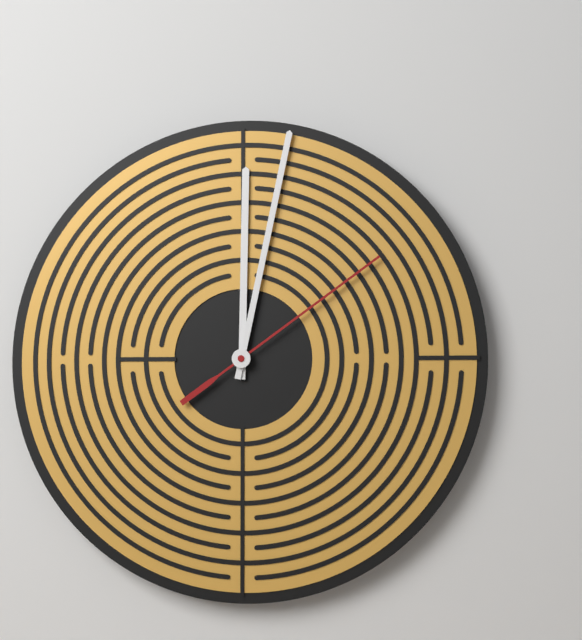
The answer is 12,02,09
